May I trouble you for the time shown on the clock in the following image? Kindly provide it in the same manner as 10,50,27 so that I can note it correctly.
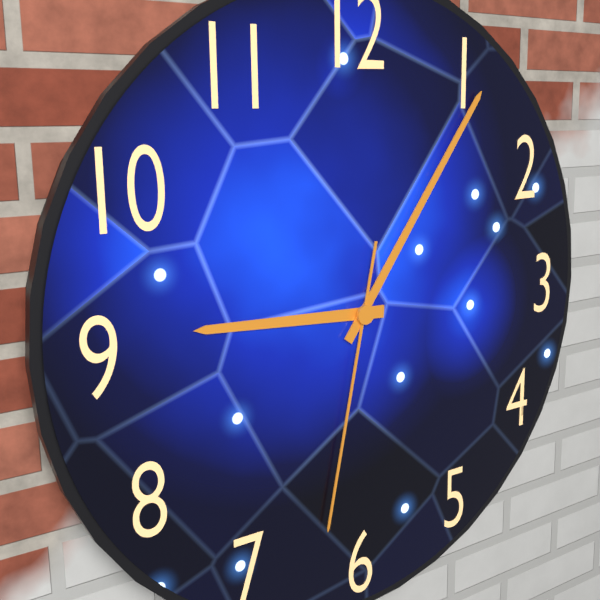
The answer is 9,06,32
